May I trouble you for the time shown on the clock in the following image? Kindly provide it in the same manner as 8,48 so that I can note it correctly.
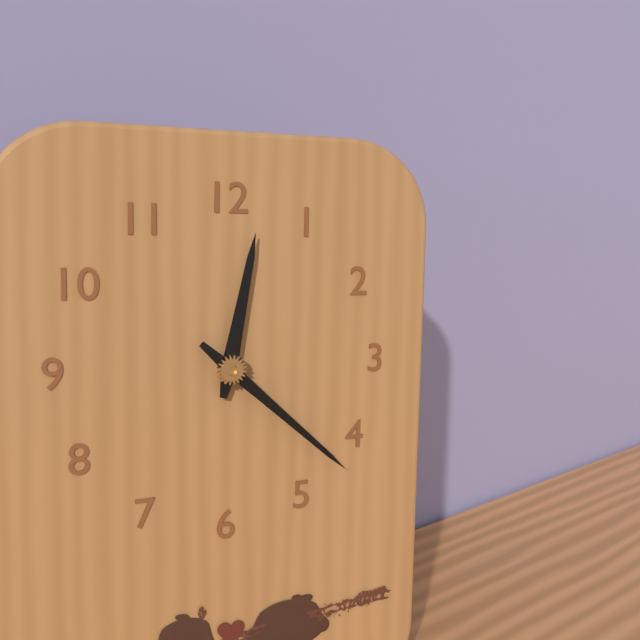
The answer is 12,22
